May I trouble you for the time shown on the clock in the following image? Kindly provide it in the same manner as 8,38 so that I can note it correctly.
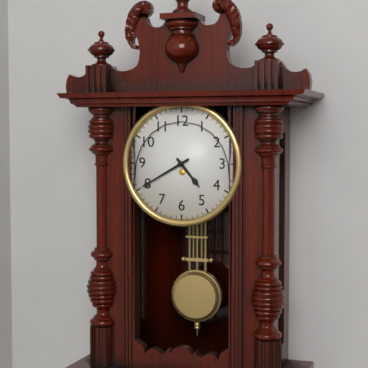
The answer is 4,40
